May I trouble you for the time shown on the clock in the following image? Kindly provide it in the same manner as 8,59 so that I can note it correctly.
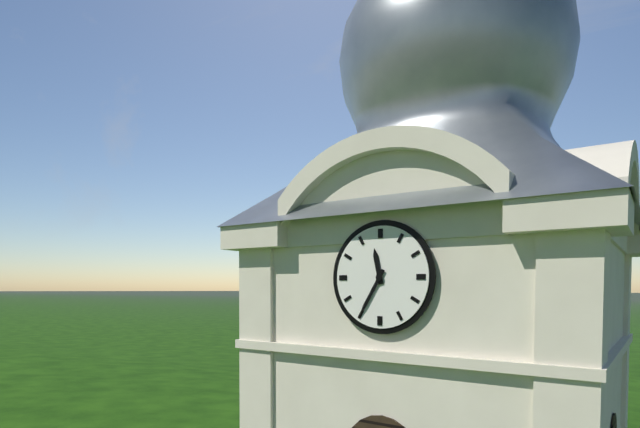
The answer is 11,35
